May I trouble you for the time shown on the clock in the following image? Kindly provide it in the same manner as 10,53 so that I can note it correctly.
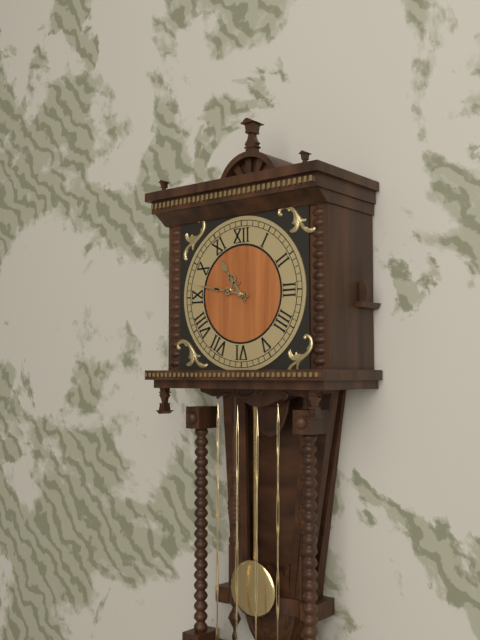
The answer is 10,47
